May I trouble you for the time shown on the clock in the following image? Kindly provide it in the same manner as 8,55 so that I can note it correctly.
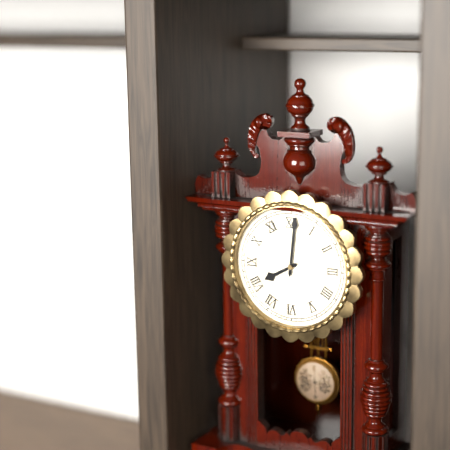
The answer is 8,01
